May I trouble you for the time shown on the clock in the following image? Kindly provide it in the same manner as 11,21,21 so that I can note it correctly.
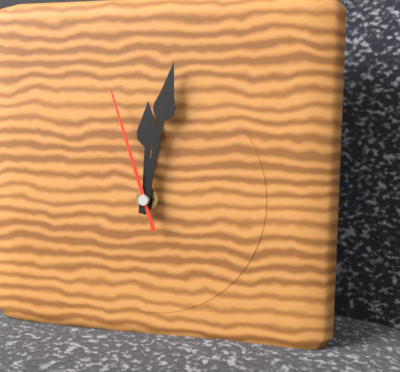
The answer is 12,02,57
